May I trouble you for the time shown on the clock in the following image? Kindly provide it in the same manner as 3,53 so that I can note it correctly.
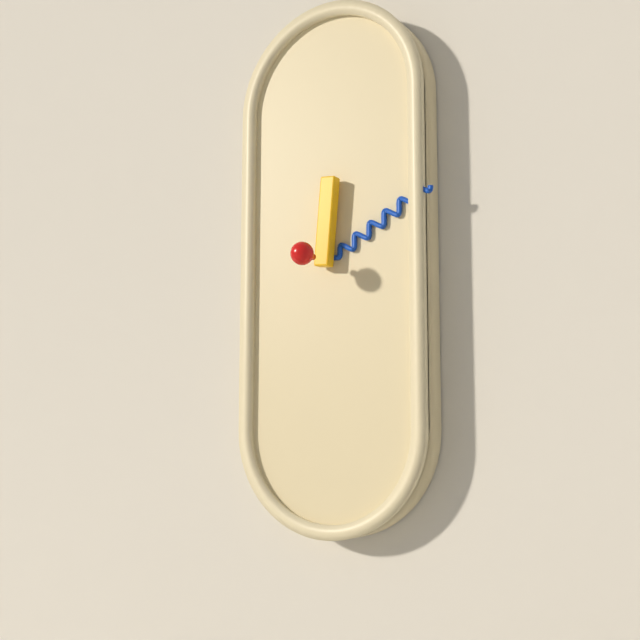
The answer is 12,10
